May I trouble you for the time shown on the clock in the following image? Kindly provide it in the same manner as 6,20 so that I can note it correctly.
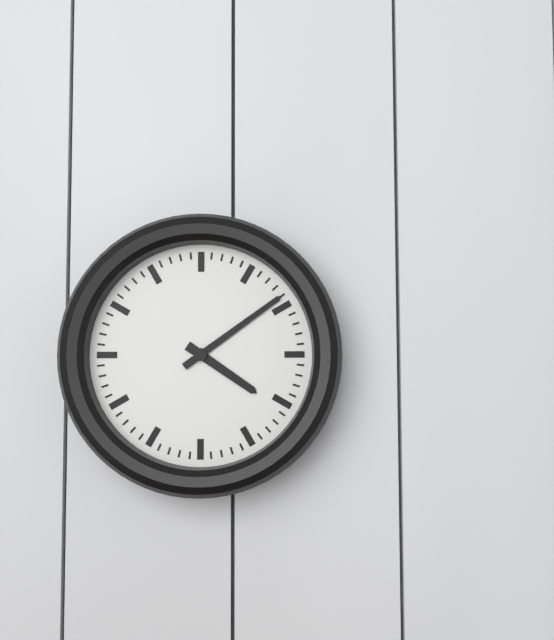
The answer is 4,09
